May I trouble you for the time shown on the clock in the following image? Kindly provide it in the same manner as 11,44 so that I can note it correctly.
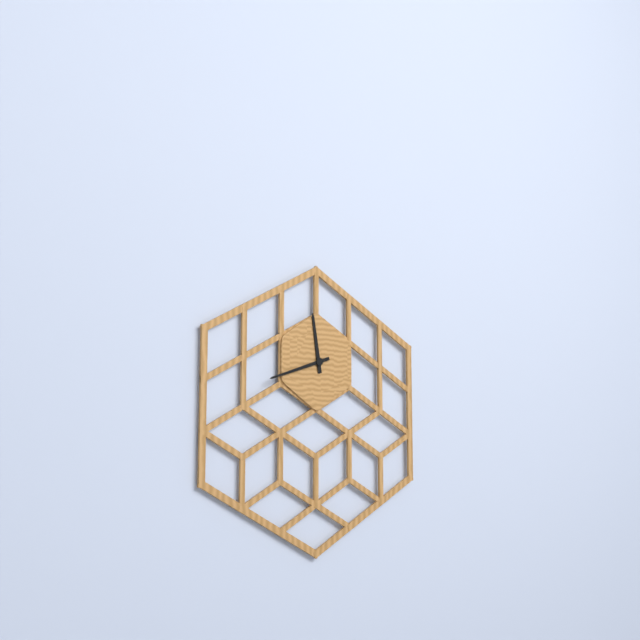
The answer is 11,42
